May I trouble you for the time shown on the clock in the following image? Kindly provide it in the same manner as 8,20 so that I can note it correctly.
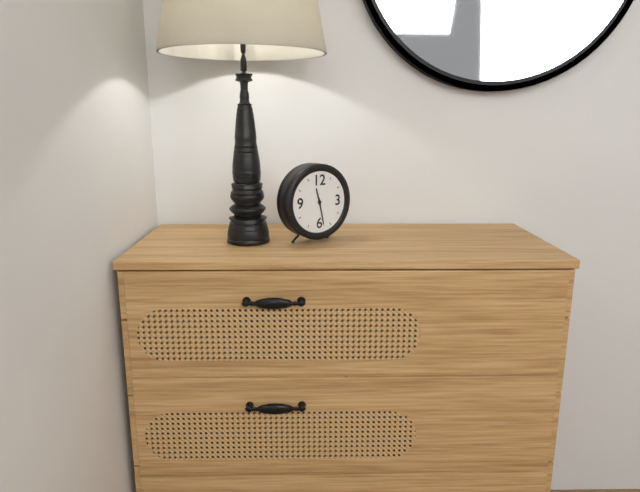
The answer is 11,28
